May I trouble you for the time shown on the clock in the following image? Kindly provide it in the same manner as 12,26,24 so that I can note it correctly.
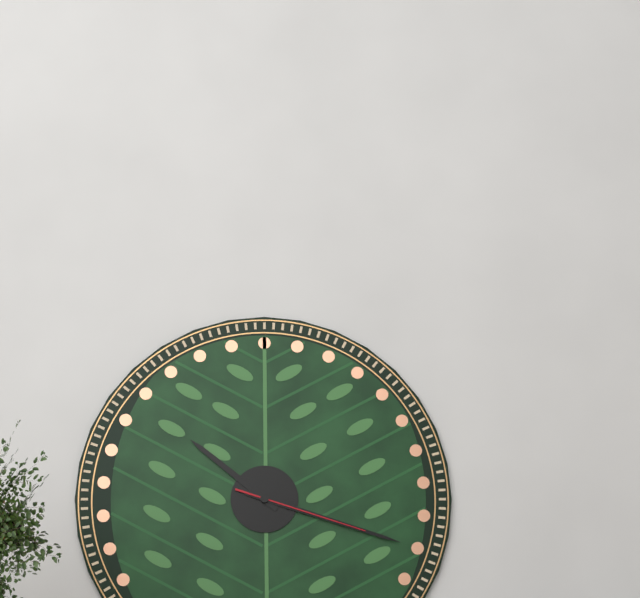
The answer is 10,18,18
